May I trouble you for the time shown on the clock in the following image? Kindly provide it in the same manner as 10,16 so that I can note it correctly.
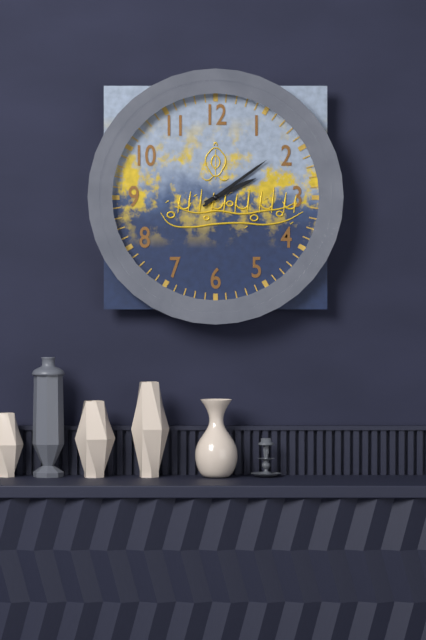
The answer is 2,09
